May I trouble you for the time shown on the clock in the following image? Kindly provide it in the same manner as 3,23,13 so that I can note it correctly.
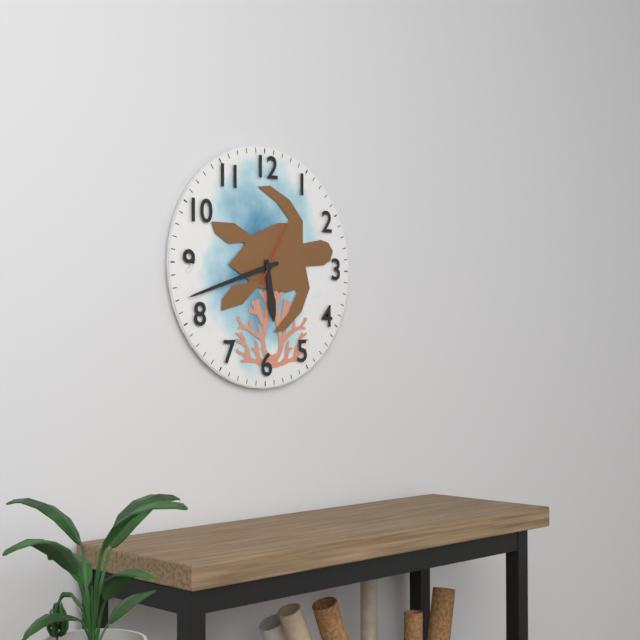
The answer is 5,42,05
